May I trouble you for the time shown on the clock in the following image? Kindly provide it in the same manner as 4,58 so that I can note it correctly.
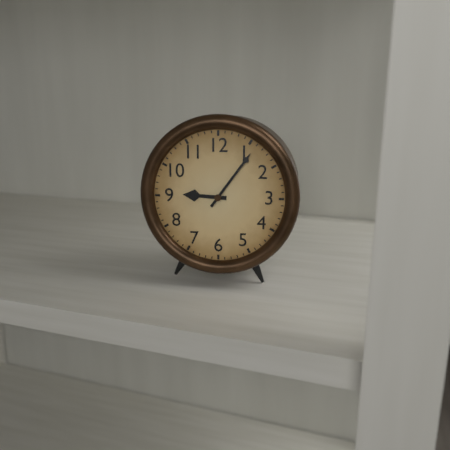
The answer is 9,06
